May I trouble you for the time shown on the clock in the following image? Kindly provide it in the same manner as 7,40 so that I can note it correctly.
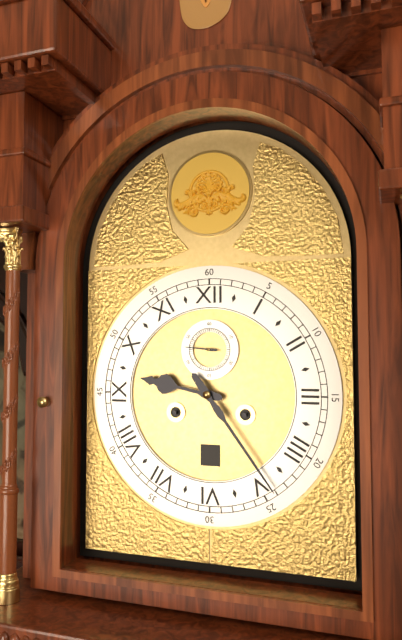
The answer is 9,24
